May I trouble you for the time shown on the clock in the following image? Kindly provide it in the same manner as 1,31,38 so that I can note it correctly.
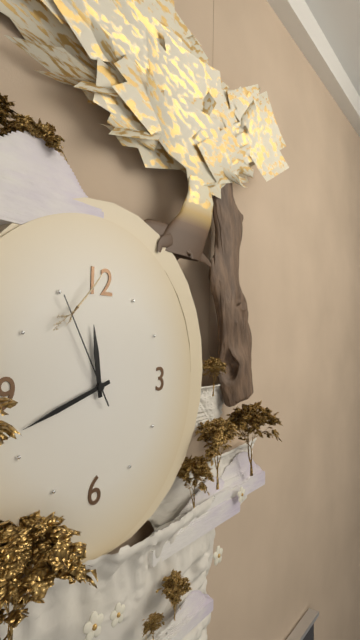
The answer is 11,42,55
